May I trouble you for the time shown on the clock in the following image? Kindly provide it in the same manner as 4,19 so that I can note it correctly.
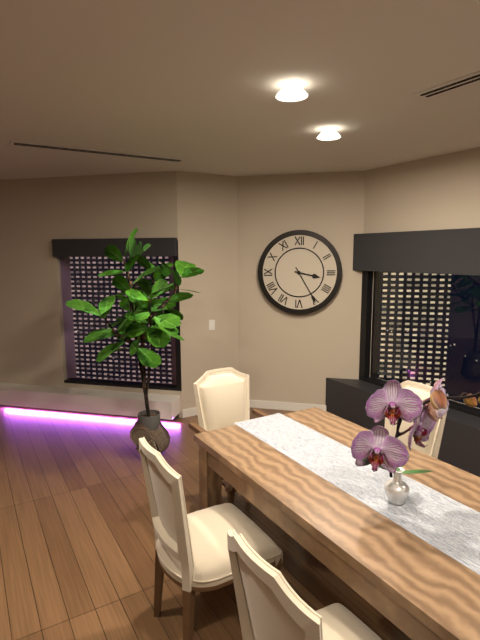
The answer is 3,25
